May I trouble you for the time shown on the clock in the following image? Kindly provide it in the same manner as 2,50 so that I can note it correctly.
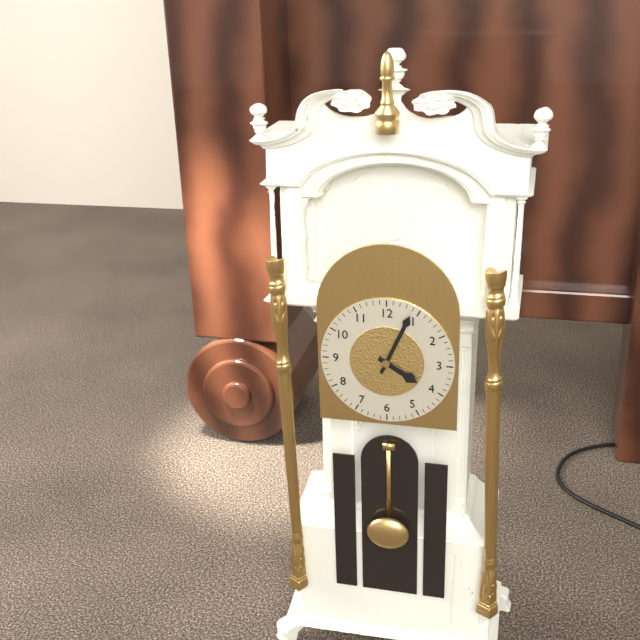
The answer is 4,04
